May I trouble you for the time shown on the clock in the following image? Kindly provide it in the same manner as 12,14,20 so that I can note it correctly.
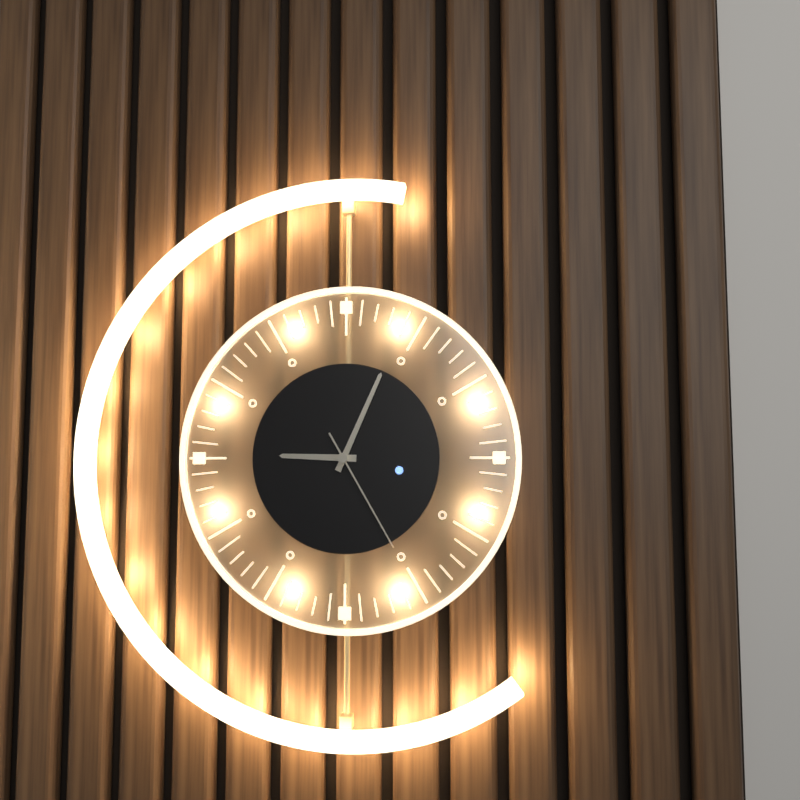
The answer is 9,04,25
